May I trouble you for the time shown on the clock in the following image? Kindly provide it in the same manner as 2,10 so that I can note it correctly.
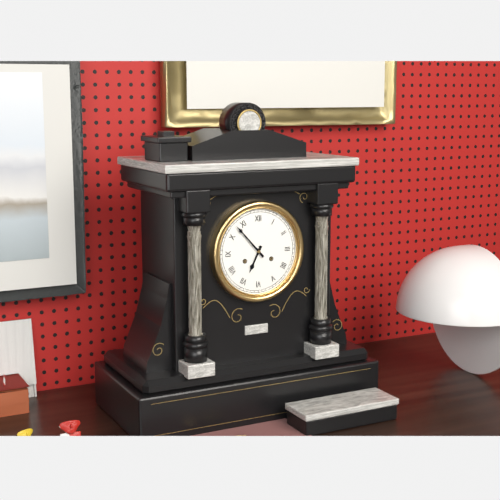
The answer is 6,53
